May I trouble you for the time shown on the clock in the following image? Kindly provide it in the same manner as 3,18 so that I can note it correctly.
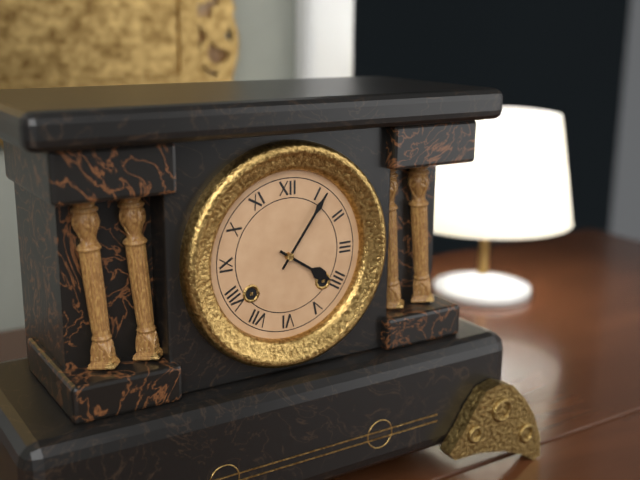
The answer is 4,06
